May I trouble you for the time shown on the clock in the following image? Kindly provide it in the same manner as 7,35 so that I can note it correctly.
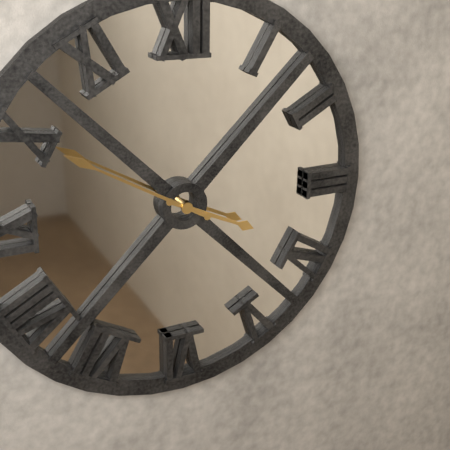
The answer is 3,50
